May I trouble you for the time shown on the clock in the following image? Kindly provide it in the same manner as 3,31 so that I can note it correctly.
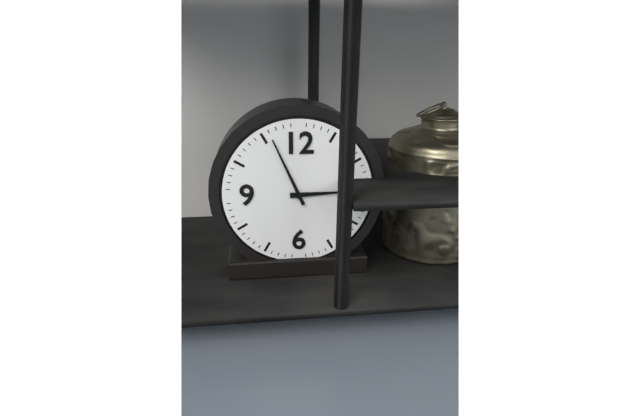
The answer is 2,56
